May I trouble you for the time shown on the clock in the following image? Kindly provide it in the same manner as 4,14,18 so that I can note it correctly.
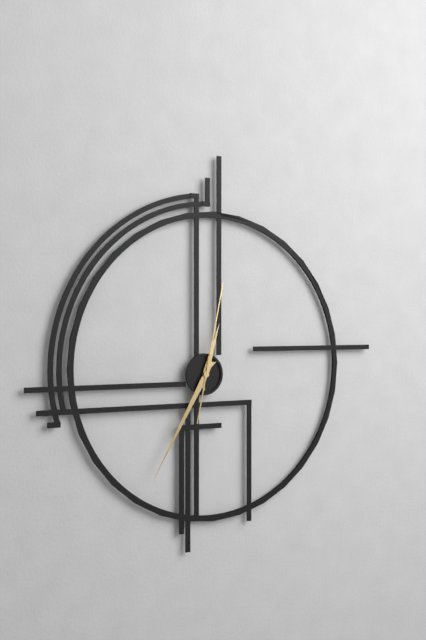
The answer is 12,35,02
